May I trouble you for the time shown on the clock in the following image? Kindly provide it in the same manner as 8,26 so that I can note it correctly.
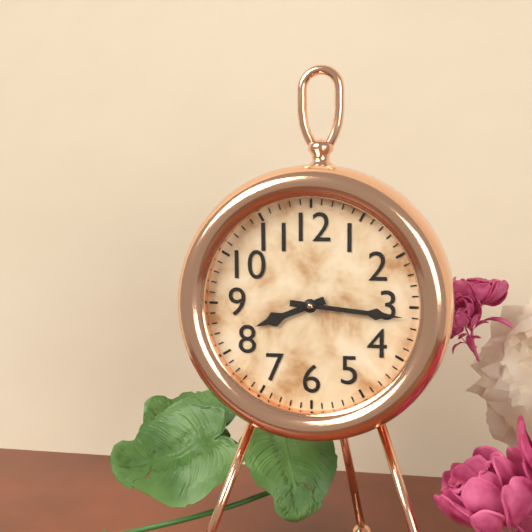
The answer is 8,16
